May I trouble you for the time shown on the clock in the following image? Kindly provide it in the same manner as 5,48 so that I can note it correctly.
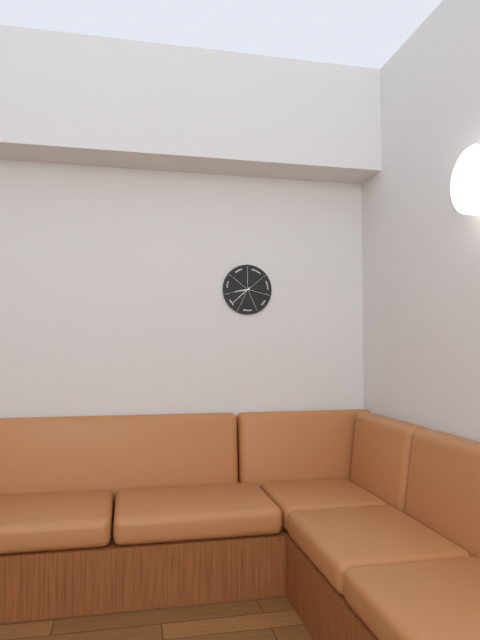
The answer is 8,38
